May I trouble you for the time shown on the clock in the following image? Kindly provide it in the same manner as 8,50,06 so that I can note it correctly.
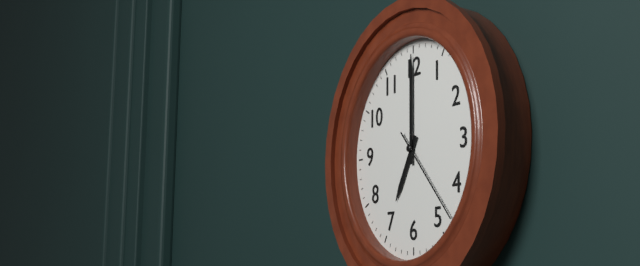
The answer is 7,00,23
